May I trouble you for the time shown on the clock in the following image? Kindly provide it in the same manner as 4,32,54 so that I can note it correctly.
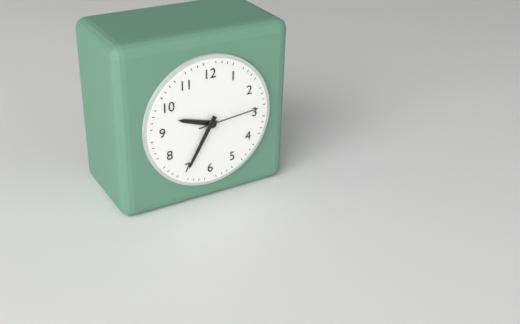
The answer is 9,35,14
